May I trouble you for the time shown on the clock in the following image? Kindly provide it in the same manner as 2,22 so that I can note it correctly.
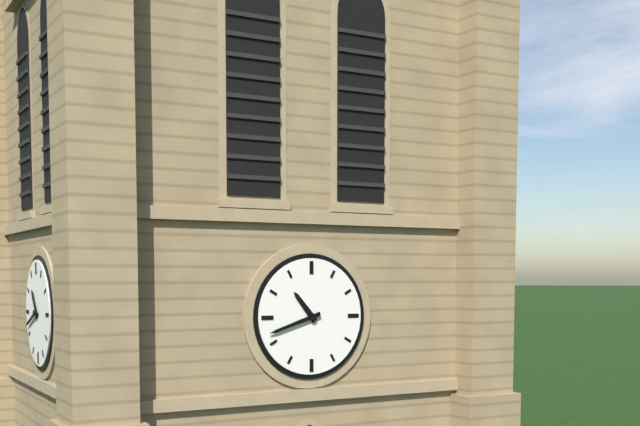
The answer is 10,42
